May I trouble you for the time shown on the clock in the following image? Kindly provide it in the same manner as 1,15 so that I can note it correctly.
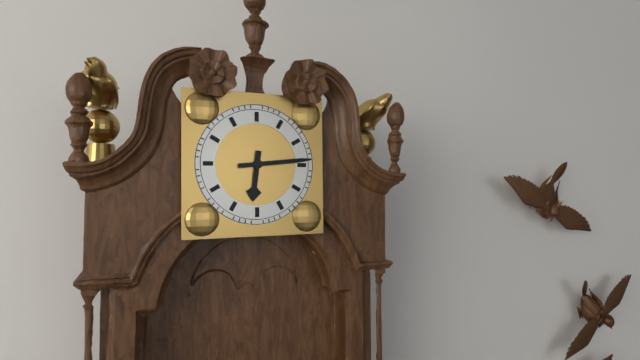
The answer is 6,14
